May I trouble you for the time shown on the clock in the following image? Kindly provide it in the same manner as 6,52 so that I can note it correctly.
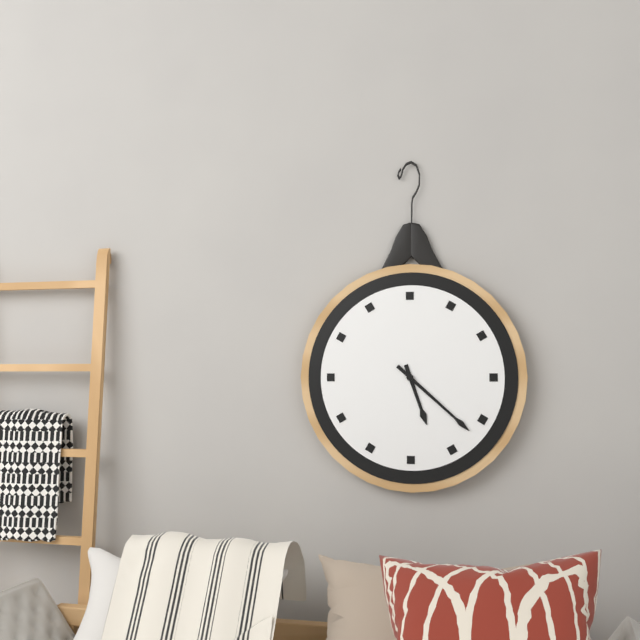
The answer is 5,22
